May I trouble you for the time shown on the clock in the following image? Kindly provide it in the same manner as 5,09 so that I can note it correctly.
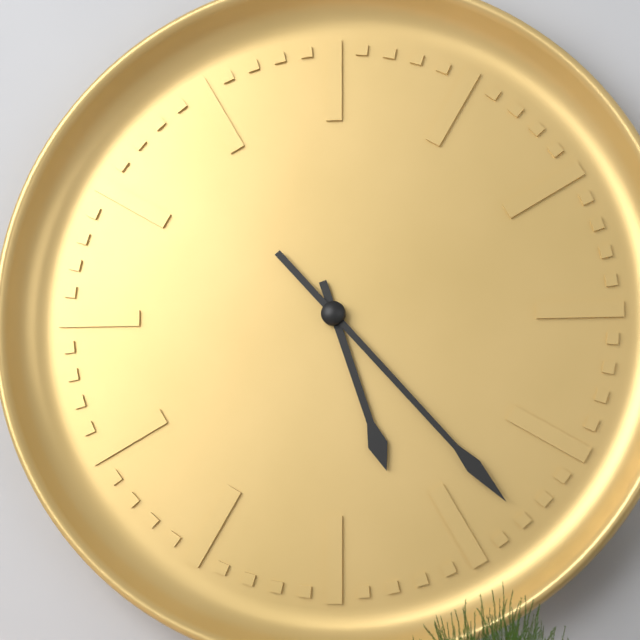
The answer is 5,23
